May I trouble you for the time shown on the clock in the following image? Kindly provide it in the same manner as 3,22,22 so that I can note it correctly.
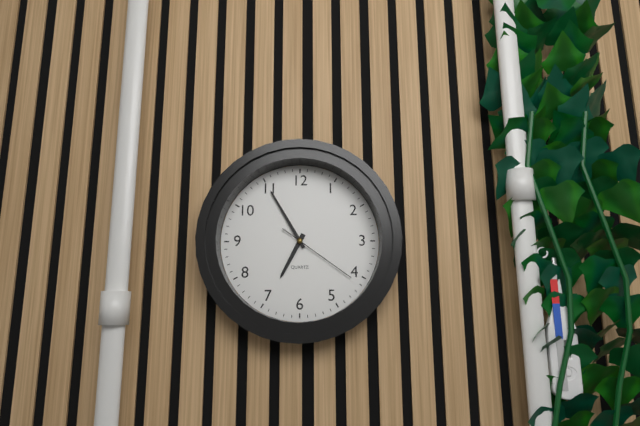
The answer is 6,55,21
